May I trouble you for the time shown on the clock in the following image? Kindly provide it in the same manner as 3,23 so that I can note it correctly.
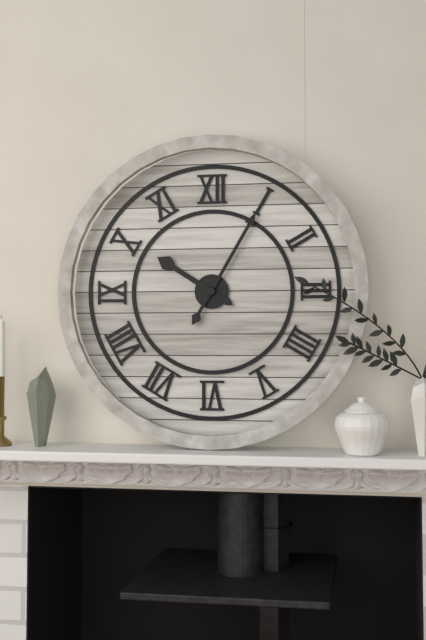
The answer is 10,05
